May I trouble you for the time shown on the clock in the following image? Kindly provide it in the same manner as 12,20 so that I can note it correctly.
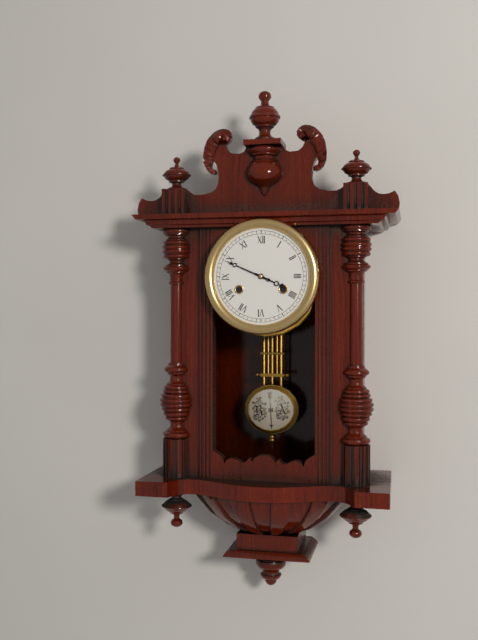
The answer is 3,49
